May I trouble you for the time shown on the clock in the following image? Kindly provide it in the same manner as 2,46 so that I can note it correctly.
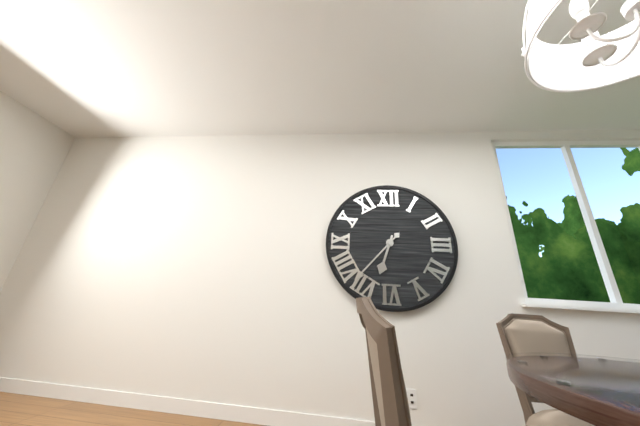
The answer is 6,37
